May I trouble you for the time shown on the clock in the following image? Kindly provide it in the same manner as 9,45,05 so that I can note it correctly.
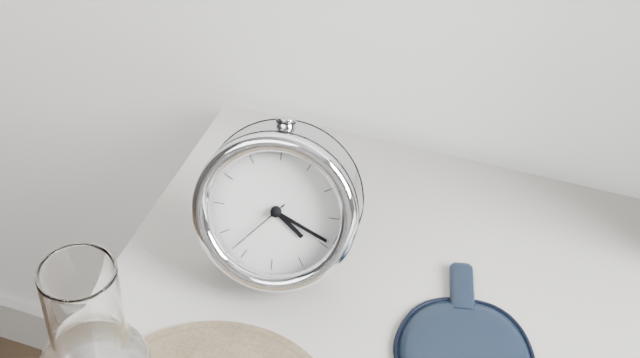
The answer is 4,19,37
